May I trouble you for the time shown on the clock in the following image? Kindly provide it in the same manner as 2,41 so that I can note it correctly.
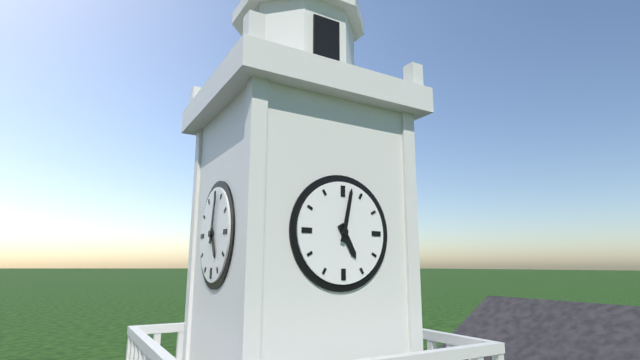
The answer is 5,02
